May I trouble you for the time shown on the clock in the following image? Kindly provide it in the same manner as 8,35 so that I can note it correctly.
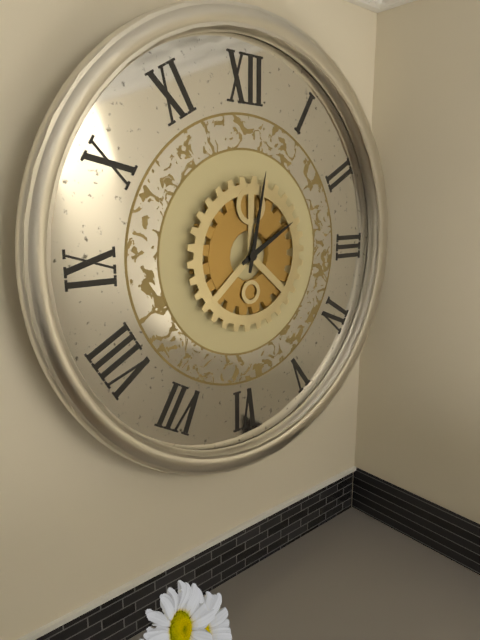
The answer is 2,02
